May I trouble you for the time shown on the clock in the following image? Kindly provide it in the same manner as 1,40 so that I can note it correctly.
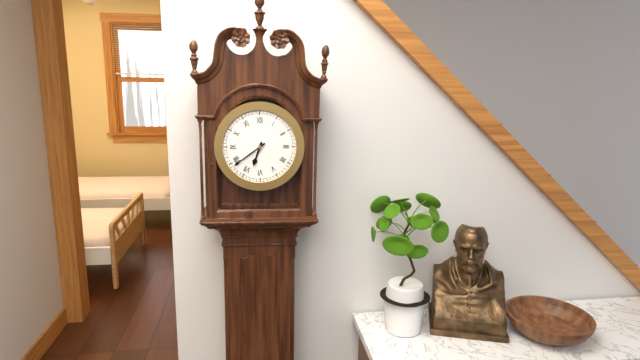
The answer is 6,39
